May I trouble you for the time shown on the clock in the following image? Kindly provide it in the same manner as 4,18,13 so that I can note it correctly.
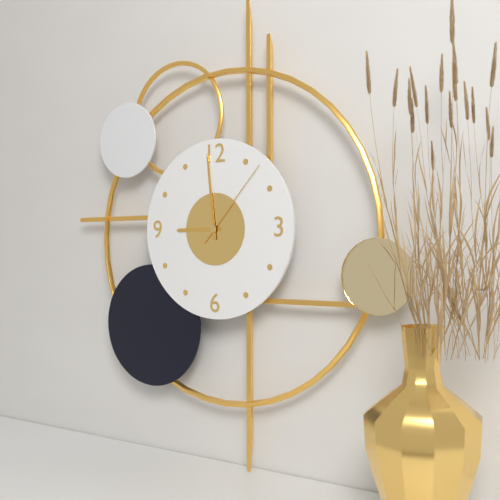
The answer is 8,59,07
